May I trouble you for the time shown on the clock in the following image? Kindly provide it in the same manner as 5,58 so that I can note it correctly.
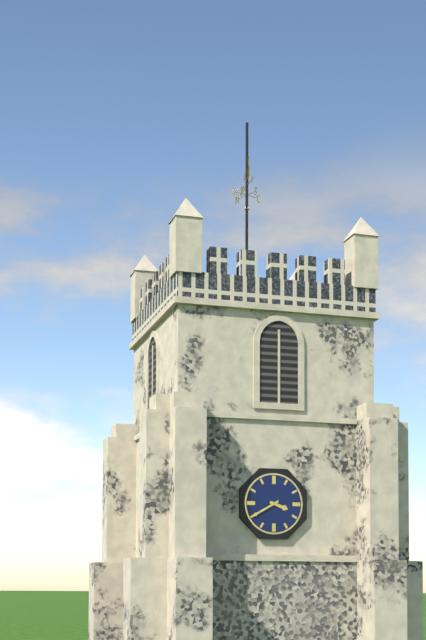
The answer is 3,40
